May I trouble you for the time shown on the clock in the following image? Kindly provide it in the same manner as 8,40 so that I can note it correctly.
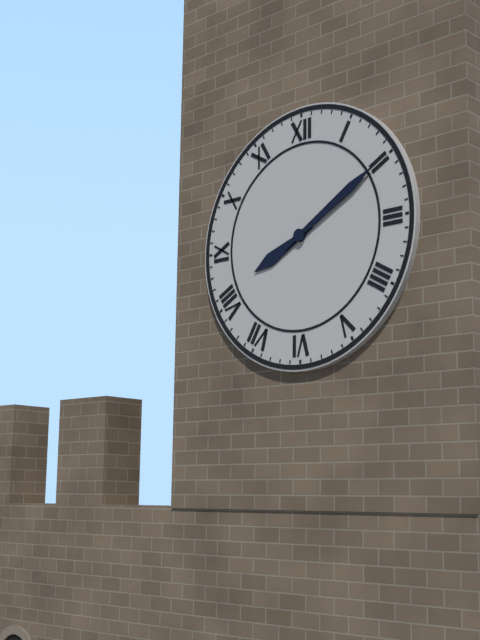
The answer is 8,10
